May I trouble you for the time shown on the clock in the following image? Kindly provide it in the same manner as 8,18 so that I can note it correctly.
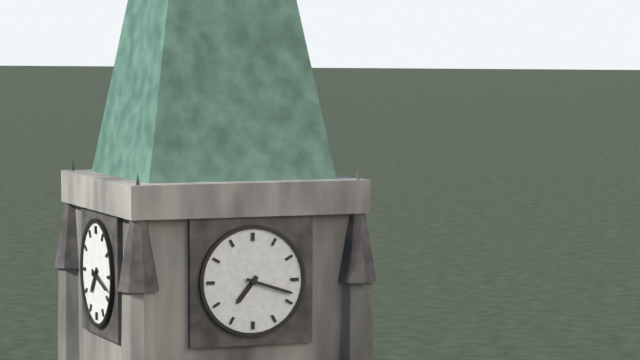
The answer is 7,18
